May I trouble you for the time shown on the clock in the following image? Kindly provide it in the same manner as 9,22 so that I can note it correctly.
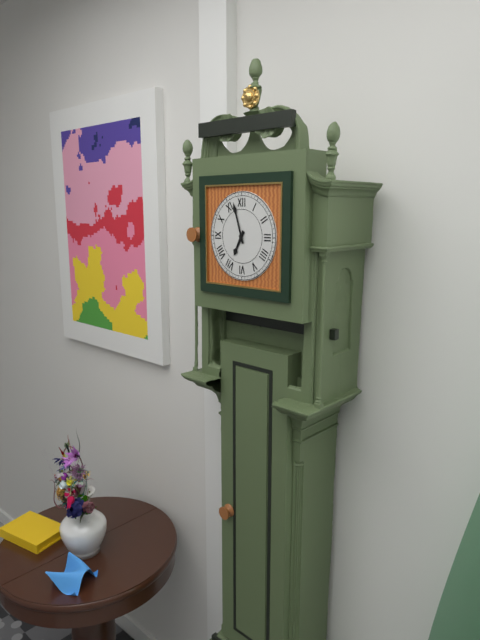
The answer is 6,57
